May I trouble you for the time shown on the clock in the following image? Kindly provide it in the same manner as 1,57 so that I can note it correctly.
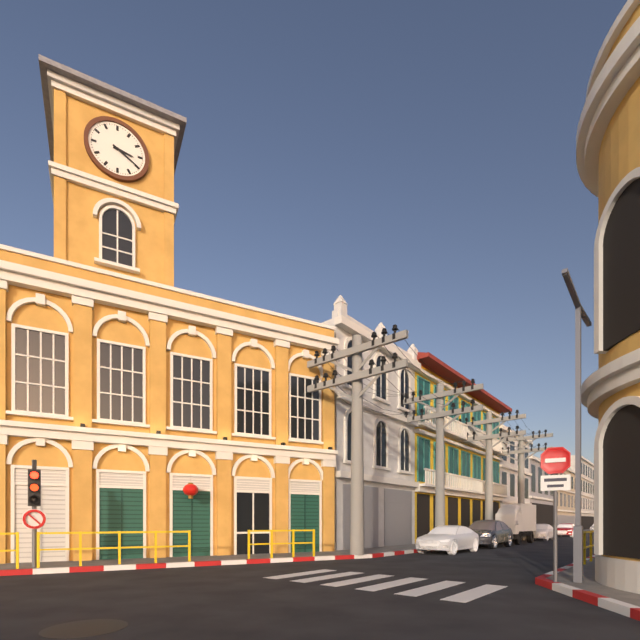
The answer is 3,20
